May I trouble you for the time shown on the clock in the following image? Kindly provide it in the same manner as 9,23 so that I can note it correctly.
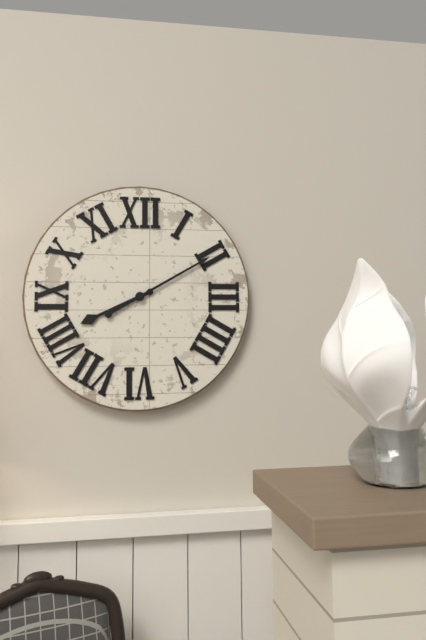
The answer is 8,10
